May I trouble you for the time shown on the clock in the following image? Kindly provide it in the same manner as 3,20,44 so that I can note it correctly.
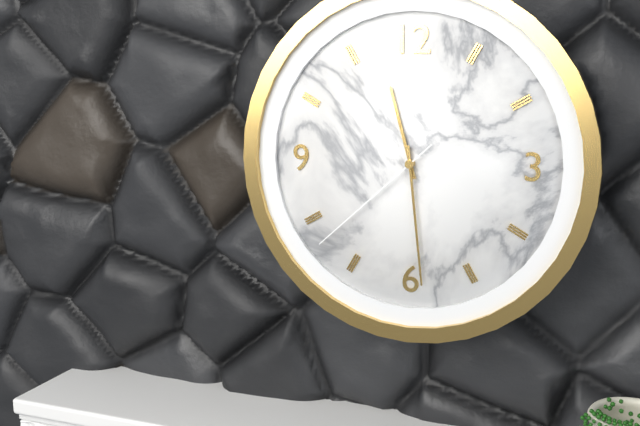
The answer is 11,29,38
